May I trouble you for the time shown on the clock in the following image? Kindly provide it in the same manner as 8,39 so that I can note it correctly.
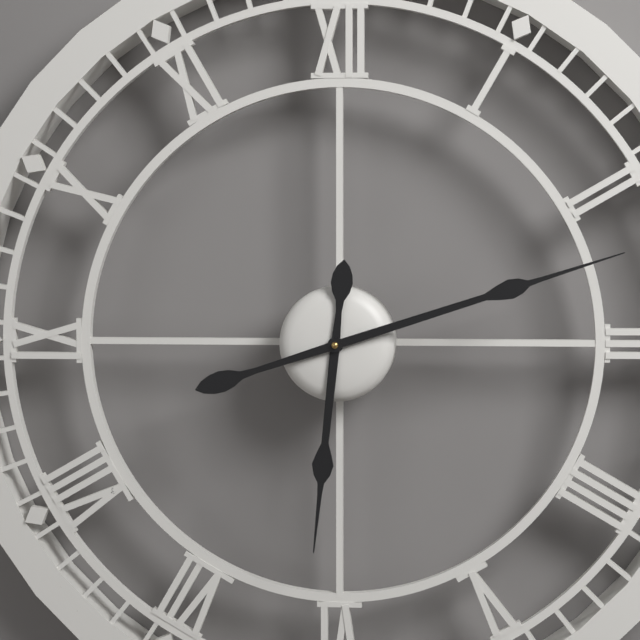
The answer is 6,12
